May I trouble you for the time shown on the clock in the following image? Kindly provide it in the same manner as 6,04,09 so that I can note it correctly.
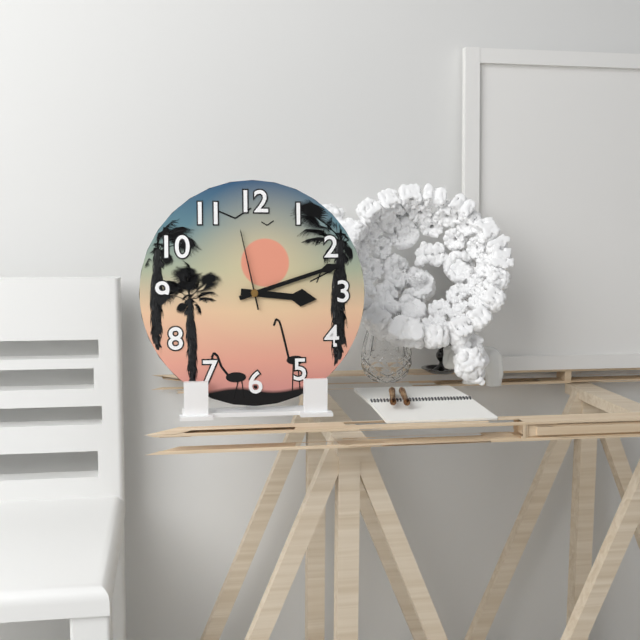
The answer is 3,12,58
